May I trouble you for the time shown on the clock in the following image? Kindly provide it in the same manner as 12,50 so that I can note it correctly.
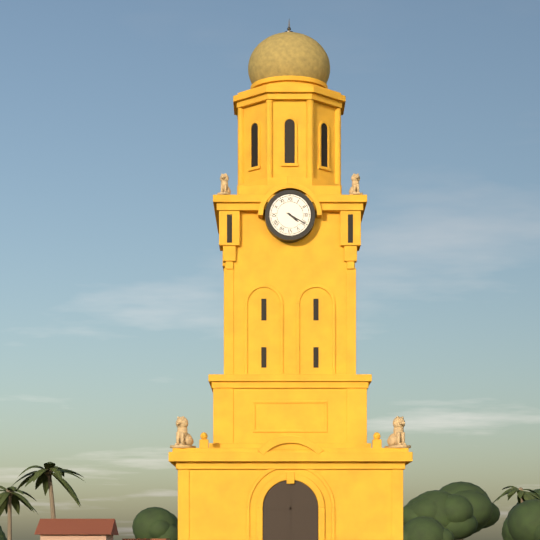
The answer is 4,20
